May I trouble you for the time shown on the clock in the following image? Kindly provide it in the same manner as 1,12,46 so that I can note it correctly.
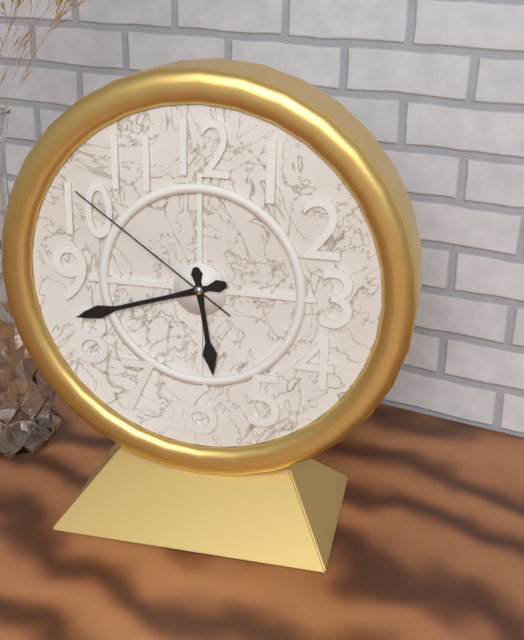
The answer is 5,42,51
